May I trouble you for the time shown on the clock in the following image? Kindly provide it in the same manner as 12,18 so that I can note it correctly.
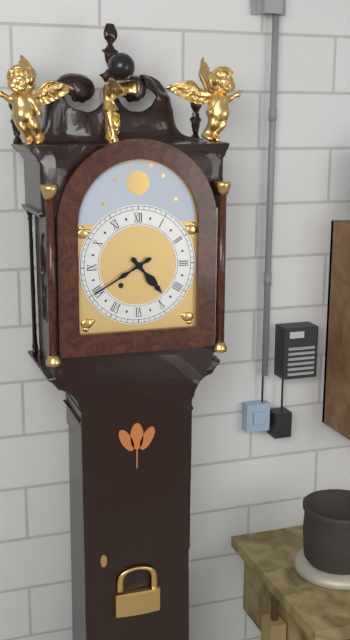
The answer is 4,40
